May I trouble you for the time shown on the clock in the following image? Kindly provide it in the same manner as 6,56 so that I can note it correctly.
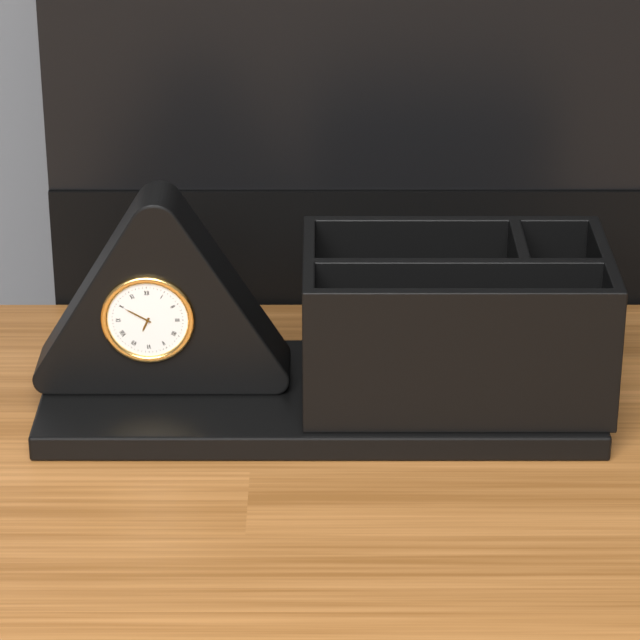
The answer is 6,50
